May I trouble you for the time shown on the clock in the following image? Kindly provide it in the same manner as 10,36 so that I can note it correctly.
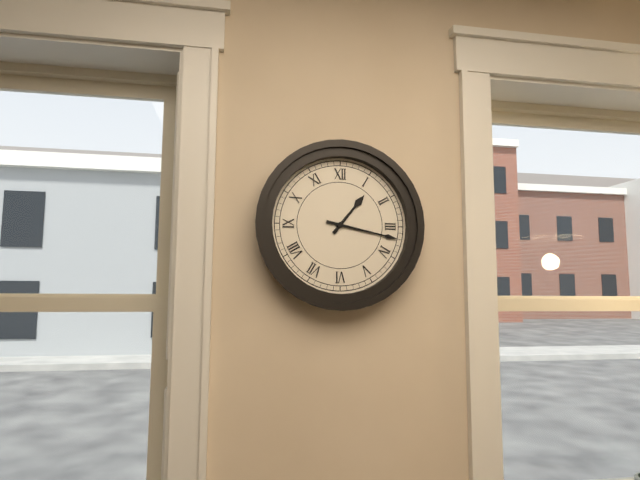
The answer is 1,17
